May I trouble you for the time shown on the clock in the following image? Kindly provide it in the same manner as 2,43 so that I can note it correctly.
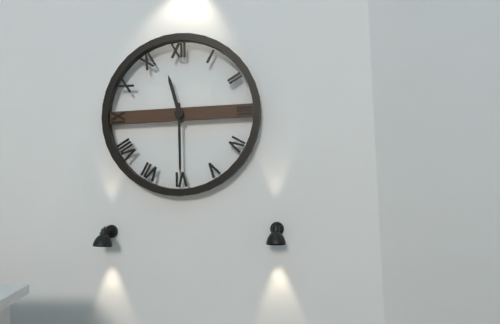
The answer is 11,30
